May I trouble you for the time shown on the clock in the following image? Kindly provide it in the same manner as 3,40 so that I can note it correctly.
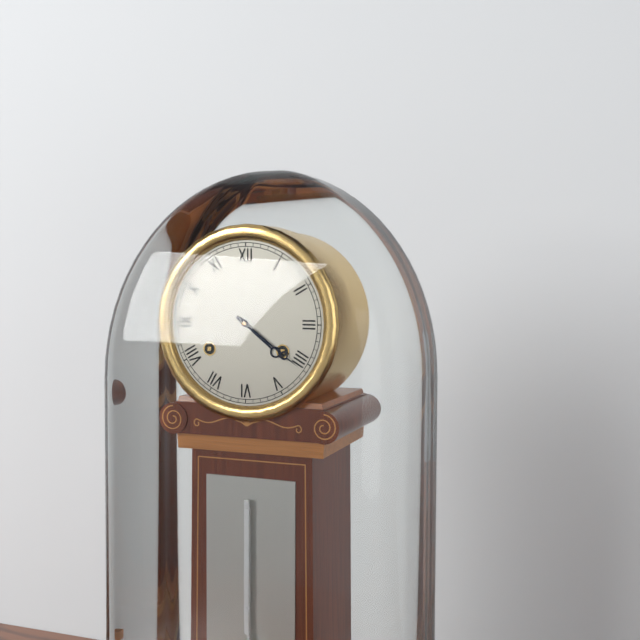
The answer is 4,21
